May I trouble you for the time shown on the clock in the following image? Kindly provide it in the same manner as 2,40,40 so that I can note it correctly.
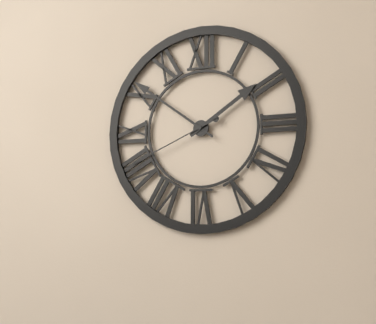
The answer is 1,51,41
